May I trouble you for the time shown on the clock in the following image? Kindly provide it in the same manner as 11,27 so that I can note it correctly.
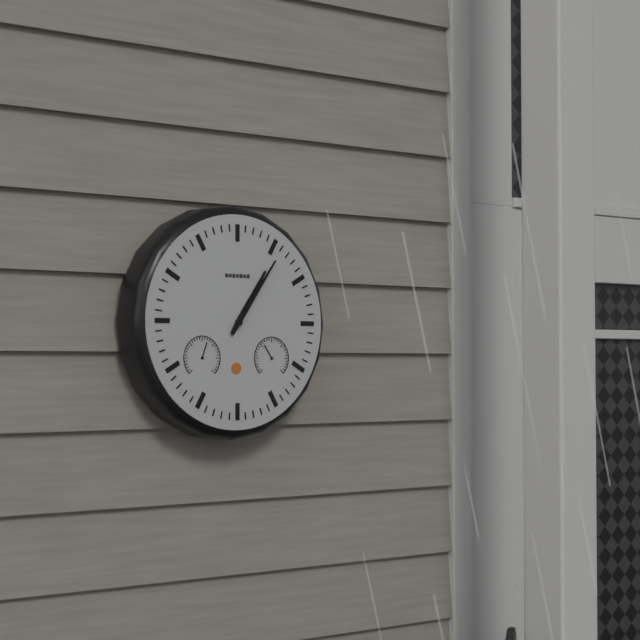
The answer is 1,06
